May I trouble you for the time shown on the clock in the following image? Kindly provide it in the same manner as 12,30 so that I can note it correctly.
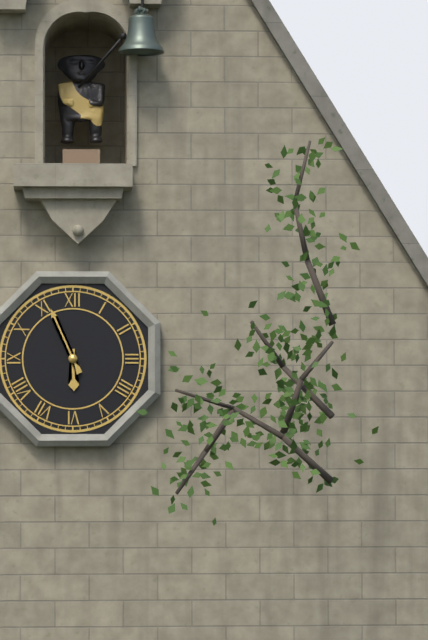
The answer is 5,56
